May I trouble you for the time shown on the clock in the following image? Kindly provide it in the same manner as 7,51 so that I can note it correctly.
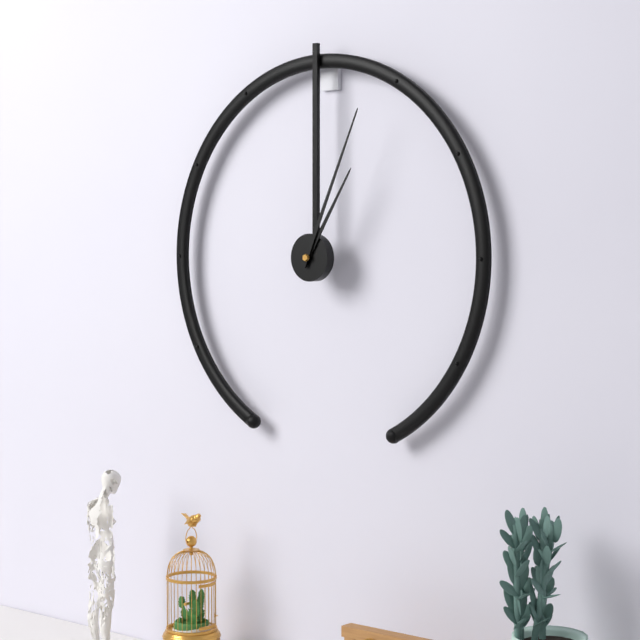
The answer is 1,04
